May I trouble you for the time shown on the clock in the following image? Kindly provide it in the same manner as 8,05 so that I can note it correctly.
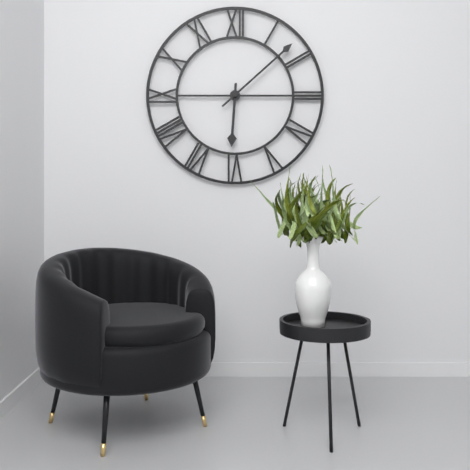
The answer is 6,08
